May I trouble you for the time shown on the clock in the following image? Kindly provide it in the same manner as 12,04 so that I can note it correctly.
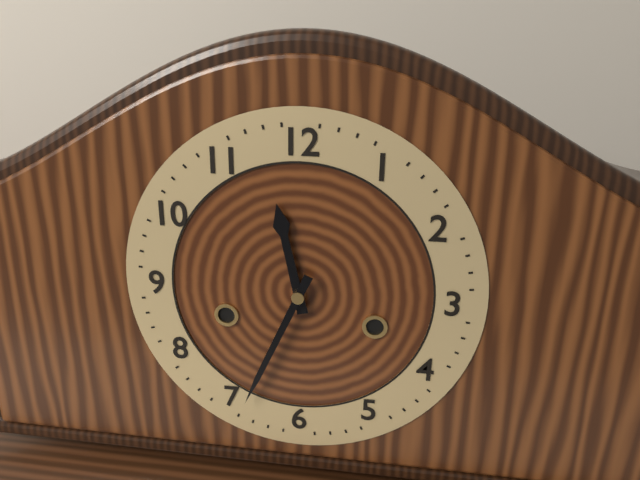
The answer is 11,34
